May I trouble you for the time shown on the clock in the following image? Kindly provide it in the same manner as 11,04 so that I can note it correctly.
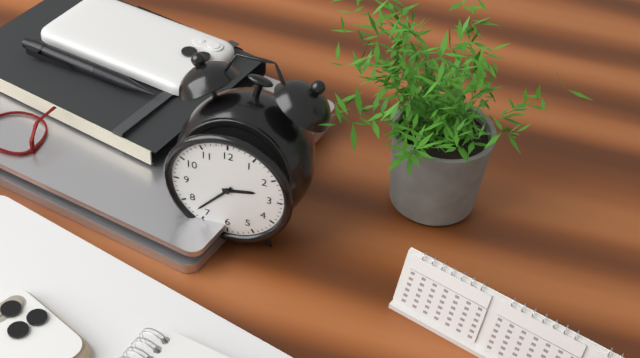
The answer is 2,37
